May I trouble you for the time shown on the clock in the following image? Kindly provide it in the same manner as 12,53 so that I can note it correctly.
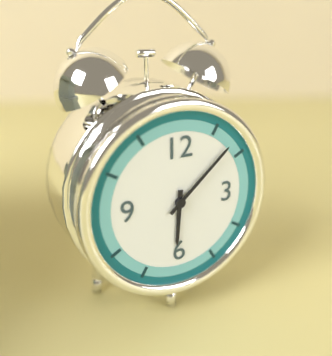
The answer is 6,08
